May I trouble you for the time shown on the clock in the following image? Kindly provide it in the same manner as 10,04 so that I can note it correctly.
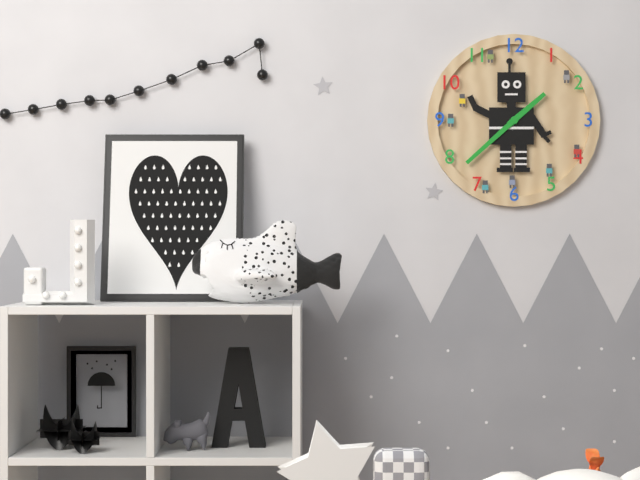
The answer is 1,38
